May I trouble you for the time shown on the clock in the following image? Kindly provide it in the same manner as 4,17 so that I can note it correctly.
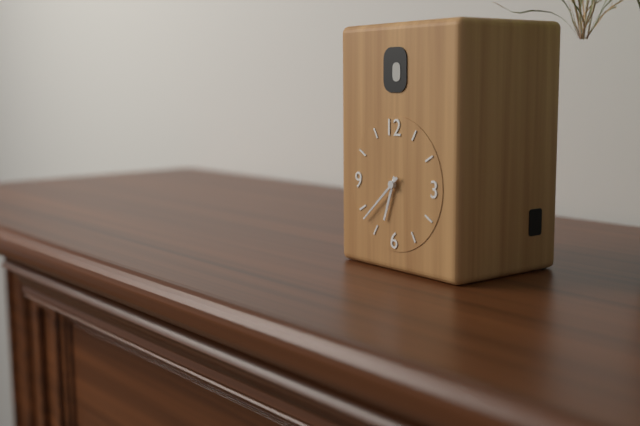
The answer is 6,38
